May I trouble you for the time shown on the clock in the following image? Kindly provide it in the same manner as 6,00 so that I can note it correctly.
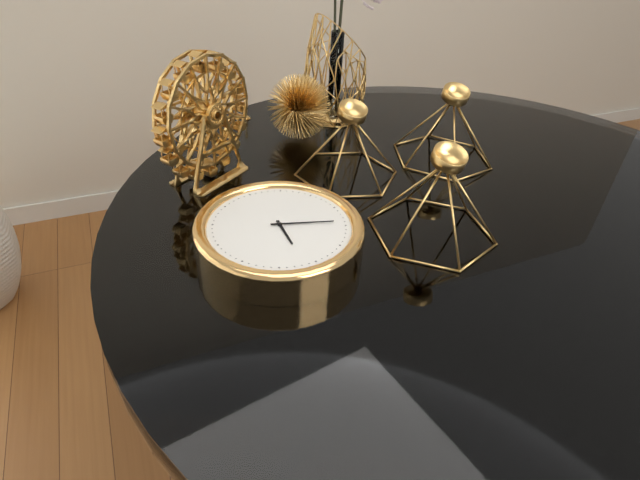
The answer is 6,19
